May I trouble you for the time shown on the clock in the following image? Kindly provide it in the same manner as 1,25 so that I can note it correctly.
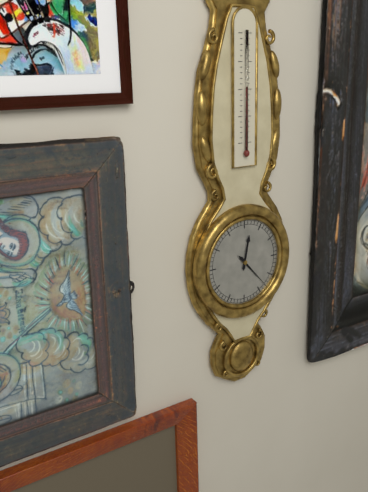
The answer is 12,23
